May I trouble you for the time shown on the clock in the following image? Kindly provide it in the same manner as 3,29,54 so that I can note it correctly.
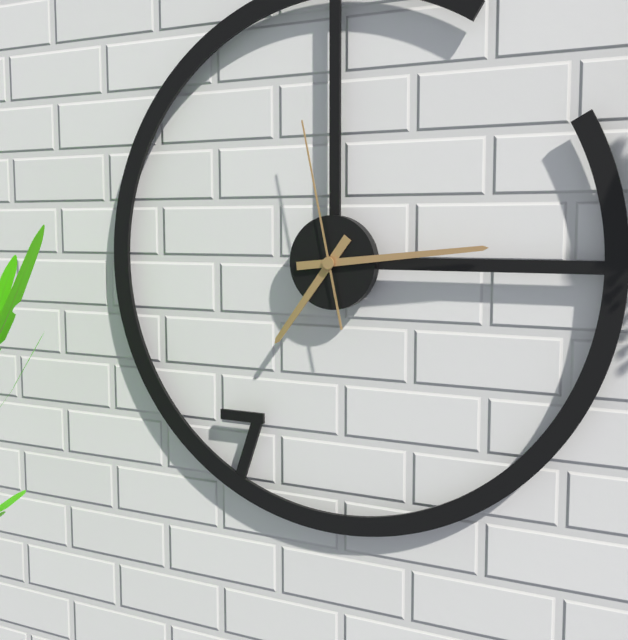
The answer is 7,14,58
